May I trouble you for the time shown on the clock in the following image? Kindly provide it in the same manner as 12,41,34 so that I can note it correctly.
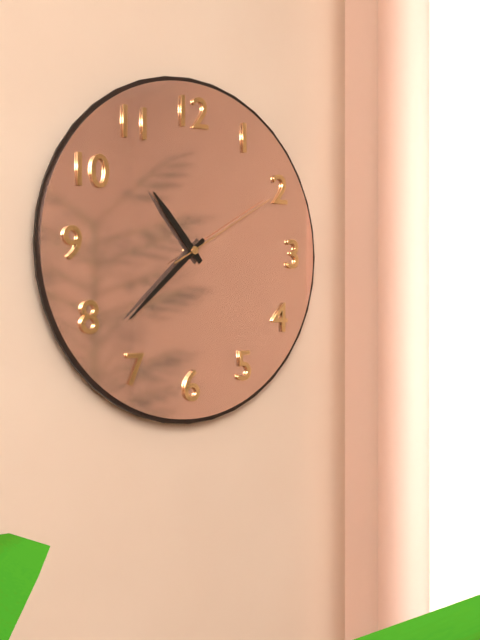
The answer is 10,38,10
